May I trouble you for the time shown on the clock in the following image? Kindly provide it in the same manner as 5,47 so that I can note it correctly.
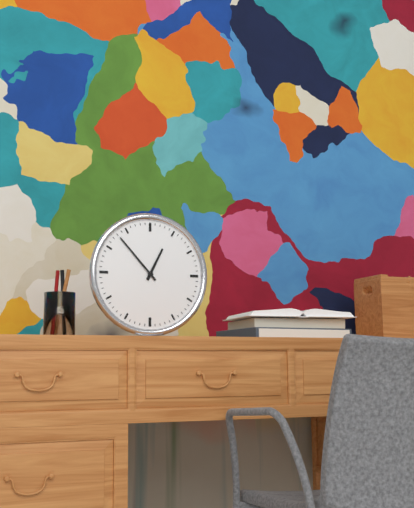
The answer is 12,53
